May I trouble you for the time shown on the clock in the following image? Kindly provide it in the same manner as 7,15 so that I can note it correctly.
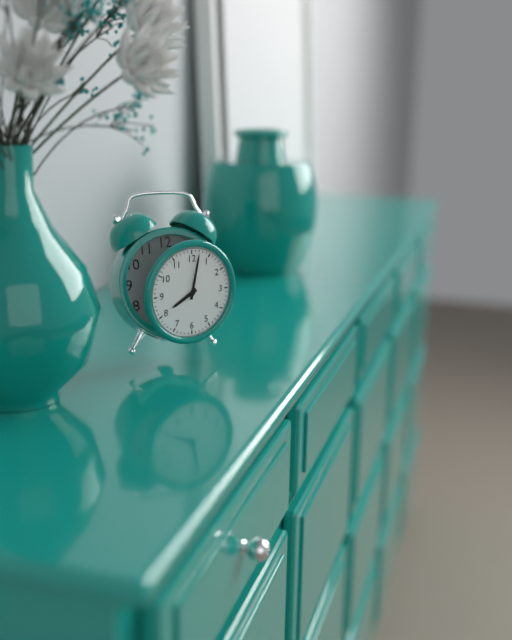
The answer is 8,02
